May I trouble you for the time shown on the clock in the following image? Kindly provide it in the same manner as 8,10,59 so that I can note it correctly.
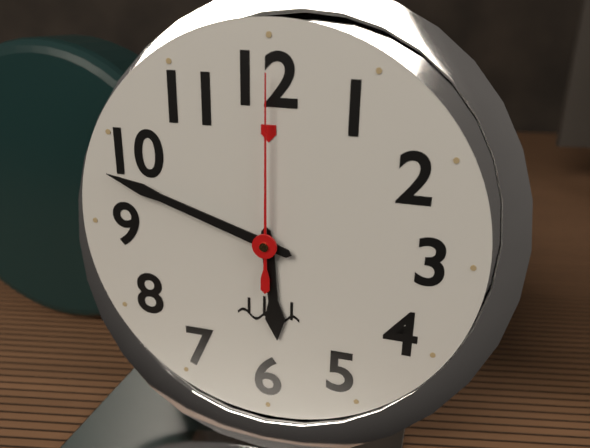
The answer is 5,48,00
